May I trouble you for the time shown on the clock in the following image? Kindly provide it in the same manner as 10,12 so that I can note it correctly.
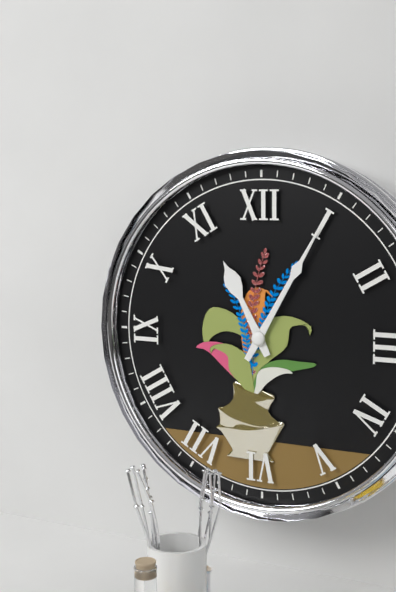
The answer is 11,05
